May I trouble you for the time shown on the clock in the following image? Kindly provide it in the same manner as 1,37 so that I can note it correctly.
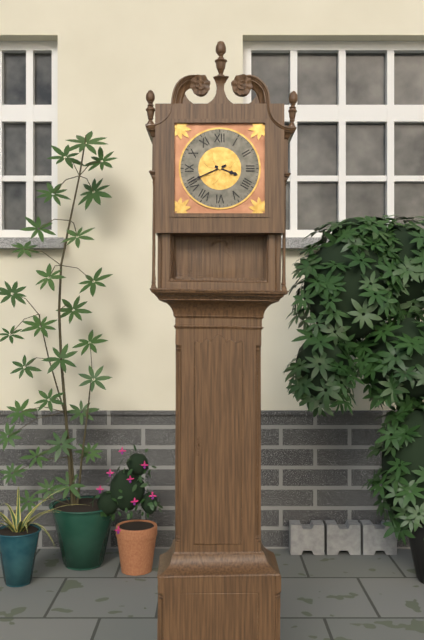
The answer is 3,41
